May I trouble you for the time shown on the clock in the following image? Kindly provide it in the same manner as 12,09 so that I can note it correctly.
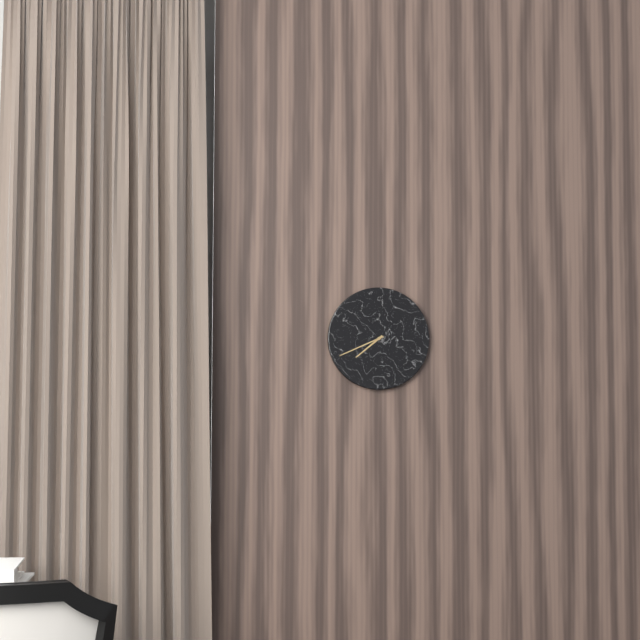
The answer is 7,41
